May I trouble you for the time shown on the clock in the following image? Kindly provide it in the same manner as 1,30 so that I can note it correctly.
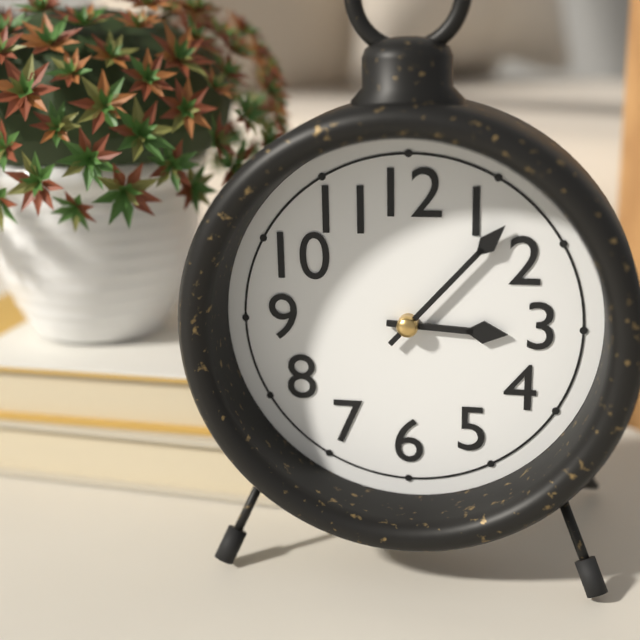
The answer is 3,07
